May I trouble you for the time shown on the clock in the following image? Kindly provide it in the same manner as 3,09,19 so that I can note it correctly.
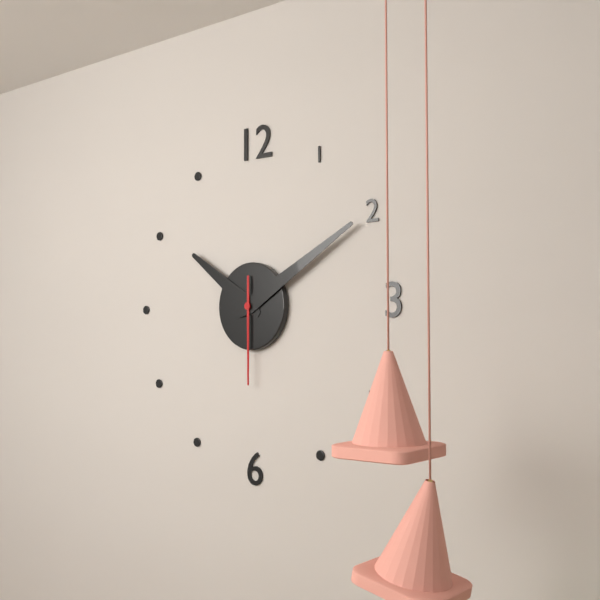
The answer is 10,10,30
